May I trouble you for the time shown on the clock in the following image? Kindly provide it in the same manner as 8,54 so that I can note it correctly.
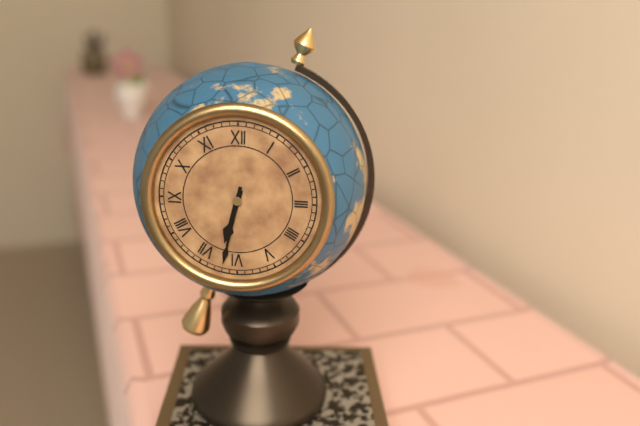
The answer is 6,32
